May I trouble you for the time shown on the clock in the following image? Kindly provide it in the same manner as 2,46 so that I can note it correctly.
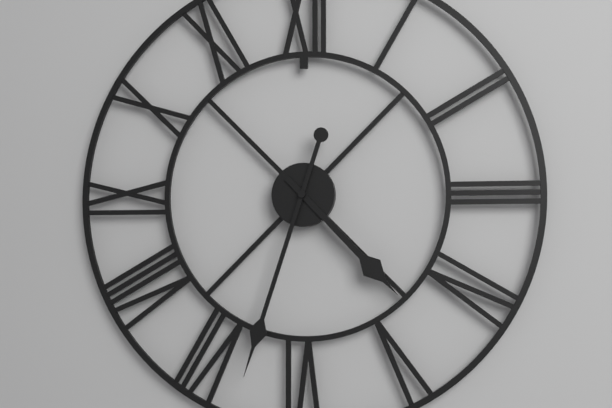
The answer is 4,33
